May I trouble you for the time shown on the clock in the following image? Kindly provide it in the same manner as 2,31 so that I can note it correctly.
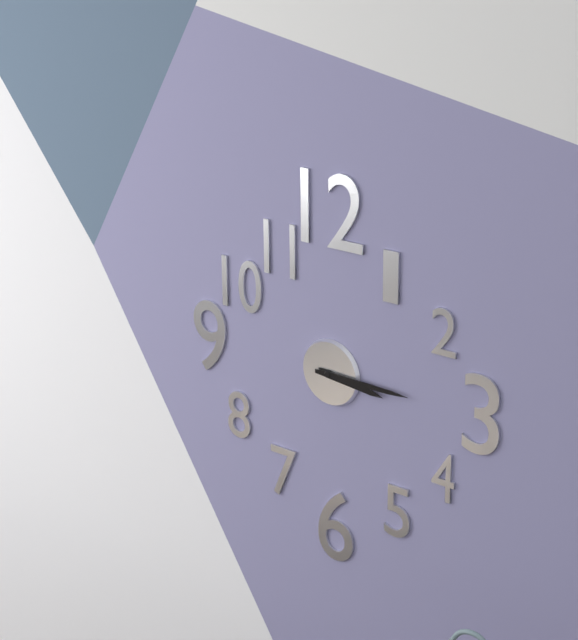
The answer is 3,15
